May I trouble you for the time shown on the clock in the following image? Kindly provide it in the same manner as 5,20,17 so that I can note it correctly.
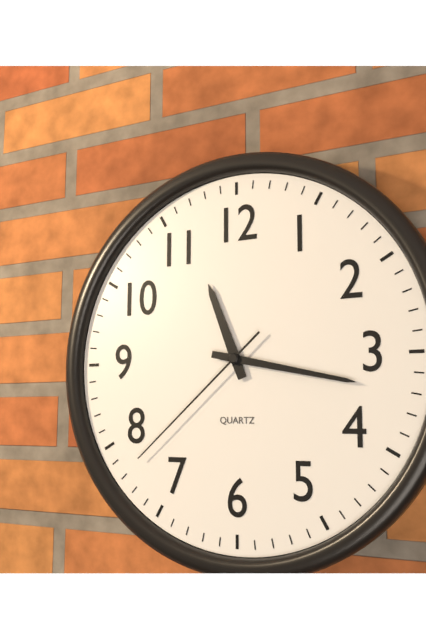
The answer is 11,17,38
